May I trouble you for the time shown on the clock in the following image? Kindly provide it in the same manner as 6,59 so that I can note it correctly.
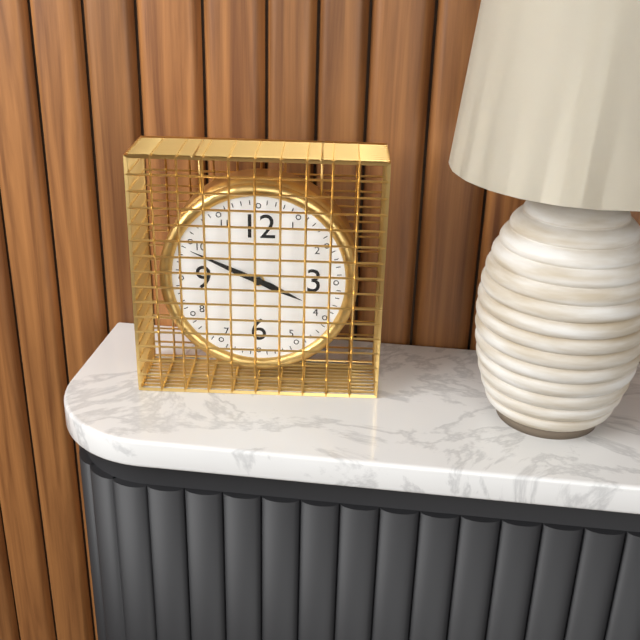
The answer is 3,49
